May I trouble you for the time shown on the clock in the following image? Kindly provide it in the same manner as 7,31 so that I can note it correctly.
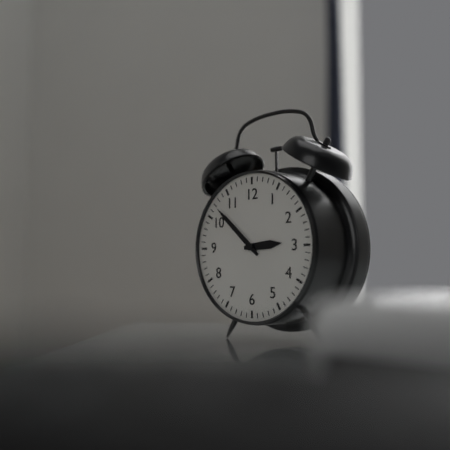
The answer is 2,52
